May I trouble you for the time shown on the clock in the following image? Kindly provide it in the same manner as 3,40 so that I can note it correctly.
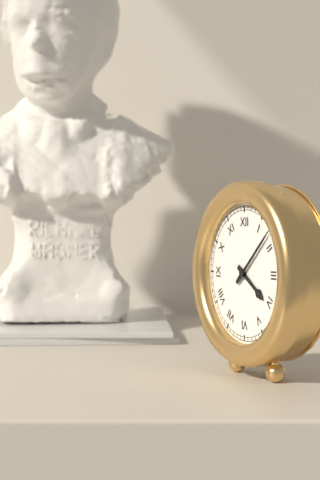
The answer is 4,08
